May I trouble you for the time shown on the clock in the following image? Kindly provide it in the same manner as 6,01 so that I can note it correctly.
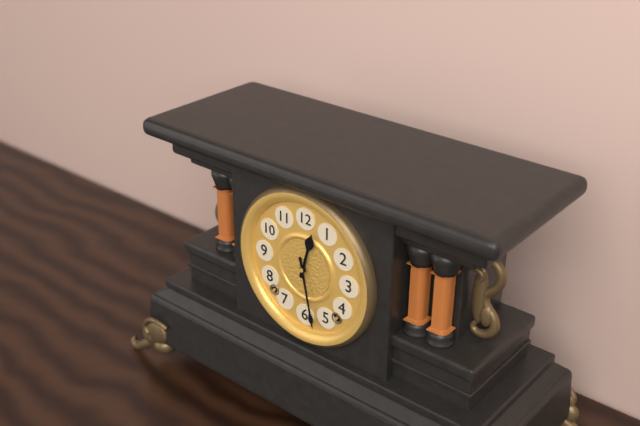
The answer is 12,28
